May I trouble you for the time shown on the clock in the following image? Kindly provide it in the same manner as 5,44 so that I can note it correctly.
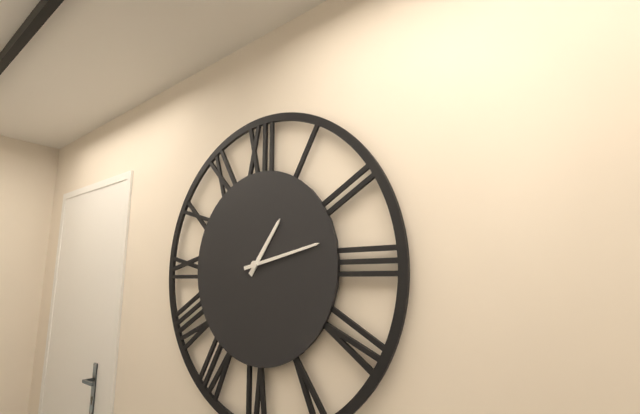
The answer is 1,13
